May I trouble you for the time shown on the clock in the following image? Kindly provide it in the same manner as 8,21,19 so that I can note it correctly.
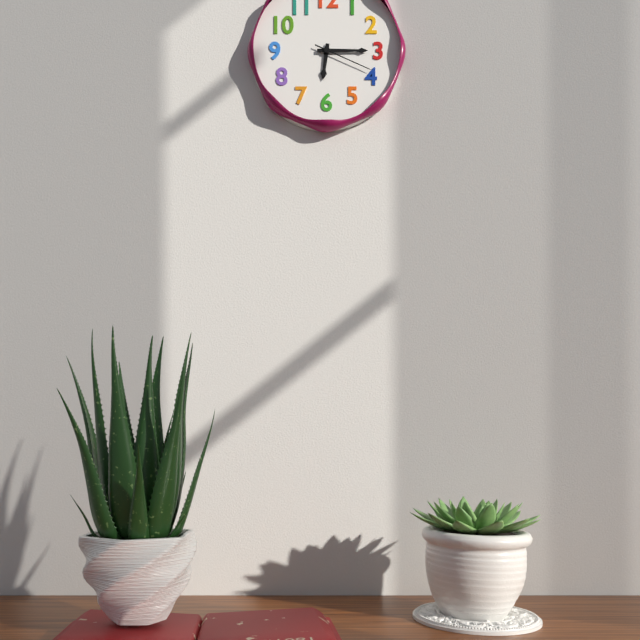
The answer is 6,15,19
